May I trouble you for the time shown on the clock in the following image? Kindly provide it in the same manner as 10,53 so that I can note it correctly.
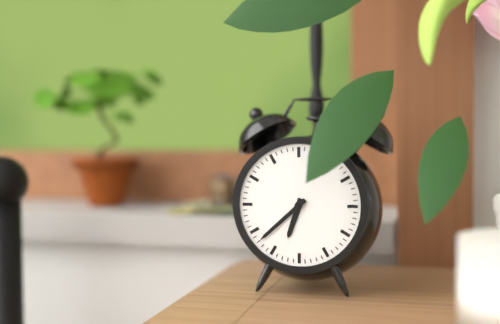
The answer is 6,38
